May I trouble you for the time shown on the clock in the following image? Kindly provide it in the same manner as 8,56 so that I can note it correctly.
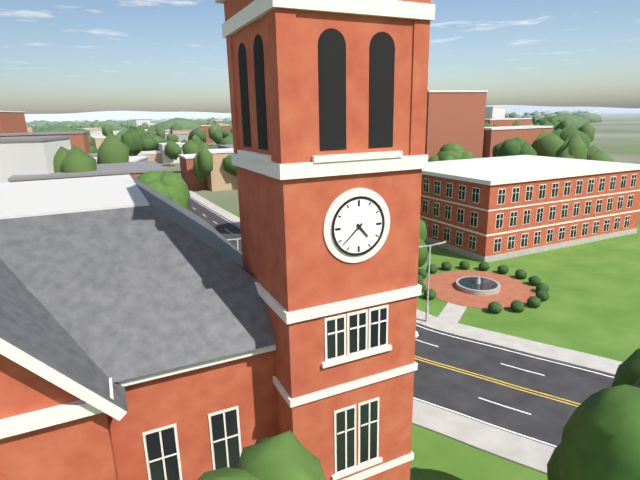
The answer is 4,38
